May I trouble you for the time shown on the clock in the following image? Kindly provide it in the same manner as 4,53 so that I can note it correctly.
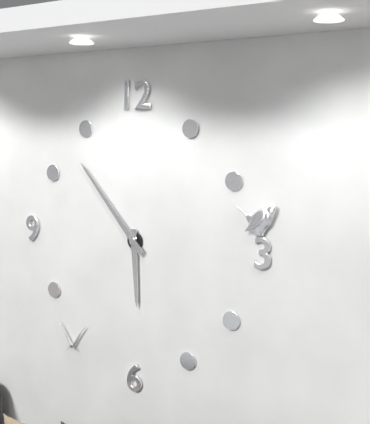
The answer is 5,53
